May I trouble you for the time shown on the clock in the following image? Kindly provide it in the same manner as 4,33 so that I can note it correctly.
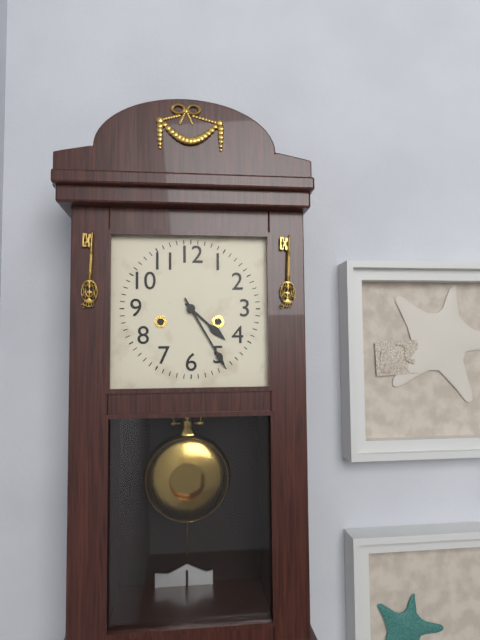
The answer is 4,25
